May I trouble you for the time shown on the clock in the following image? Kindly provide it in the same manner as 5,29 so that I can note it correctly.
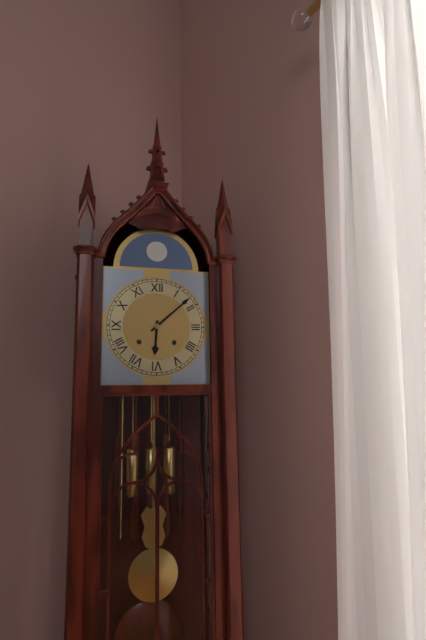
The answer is 6,08
